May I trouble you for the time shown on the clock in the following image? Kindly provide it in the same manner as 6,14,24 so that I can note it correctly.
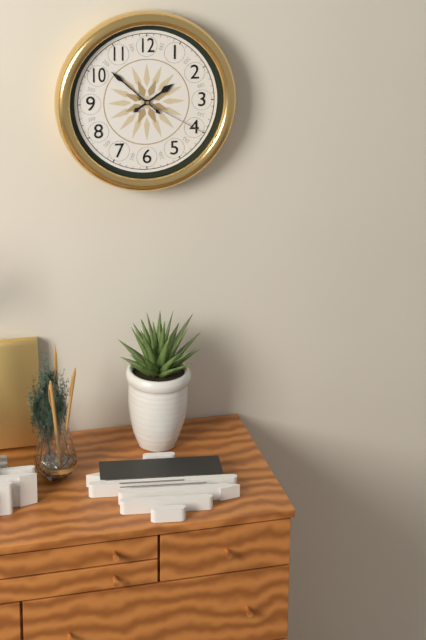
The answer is 1,52,20
